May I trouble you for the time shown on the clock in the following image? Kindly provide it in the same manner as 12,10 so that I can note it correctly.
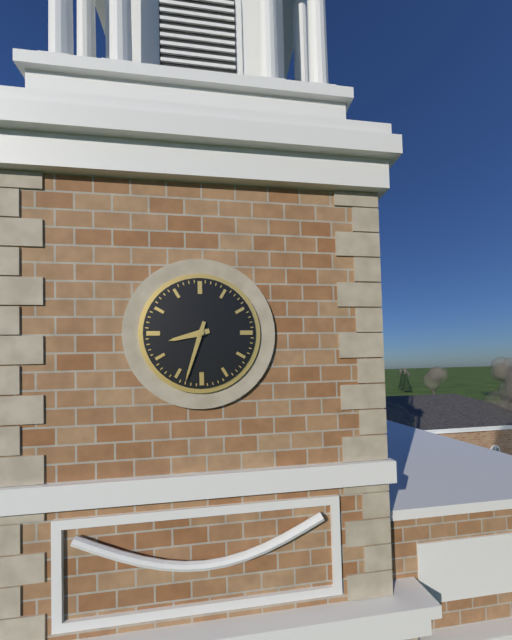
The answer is 8,33
